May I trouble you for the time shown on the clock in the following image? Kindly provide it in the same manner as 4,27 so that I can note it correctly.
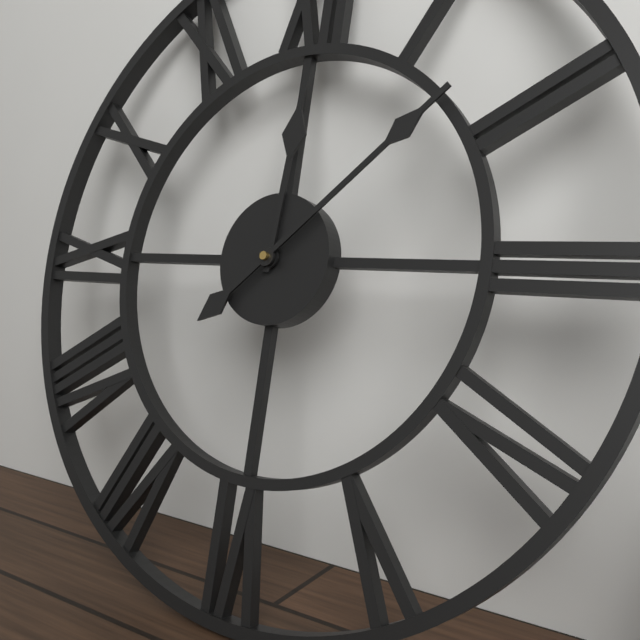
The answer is 12,08
